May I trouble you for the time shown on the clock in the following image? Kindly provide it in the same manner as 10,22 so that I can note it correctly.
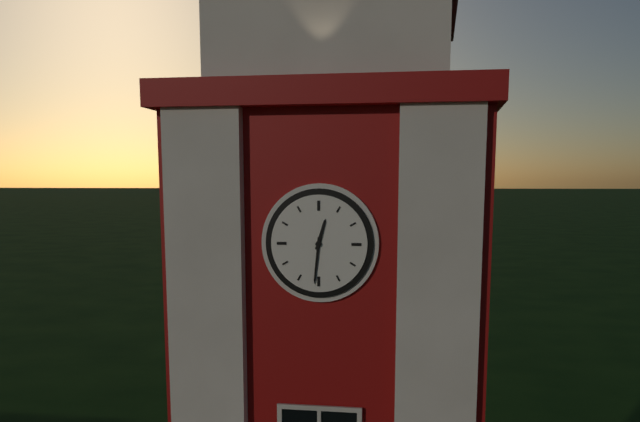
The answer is 12,31
